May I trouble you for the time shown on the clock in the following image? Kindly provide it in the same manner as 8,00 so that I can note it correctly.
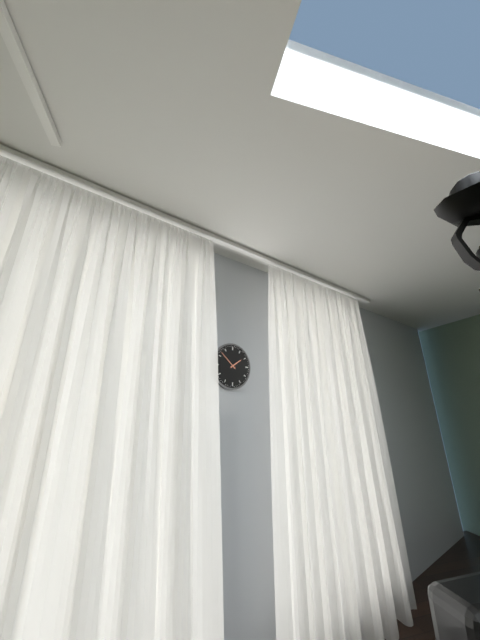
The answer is 1,52
